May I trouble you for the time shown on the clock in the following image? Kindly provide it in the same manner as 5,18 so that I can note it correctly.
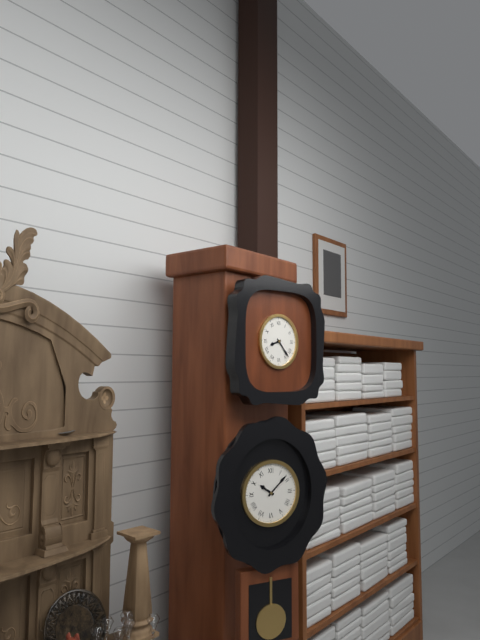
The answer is 8,23
